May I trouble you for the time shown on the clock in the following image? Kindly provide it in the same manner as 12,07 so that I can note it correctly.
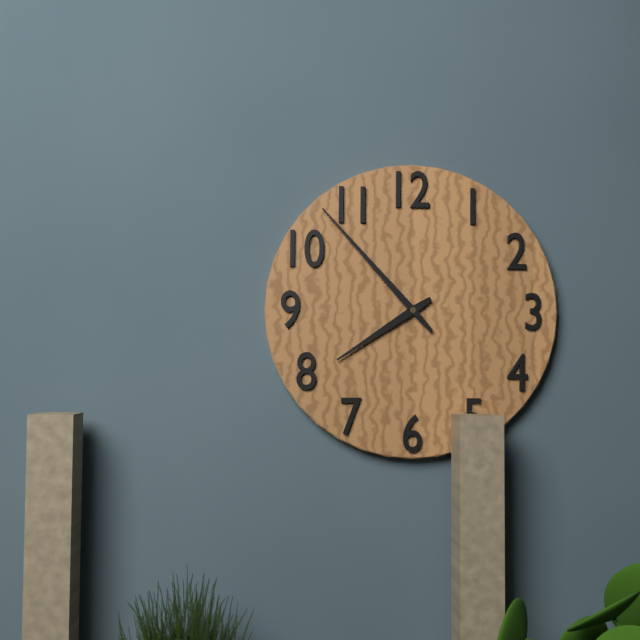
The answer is 7,53
